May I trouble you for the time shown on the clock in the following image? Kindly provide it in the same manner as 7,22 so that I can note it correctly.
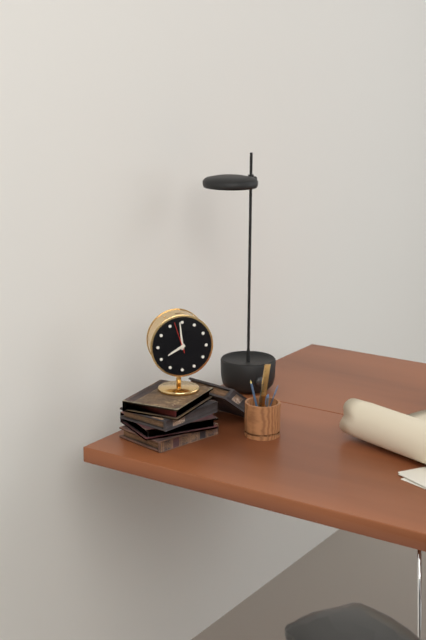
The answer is 7,59
